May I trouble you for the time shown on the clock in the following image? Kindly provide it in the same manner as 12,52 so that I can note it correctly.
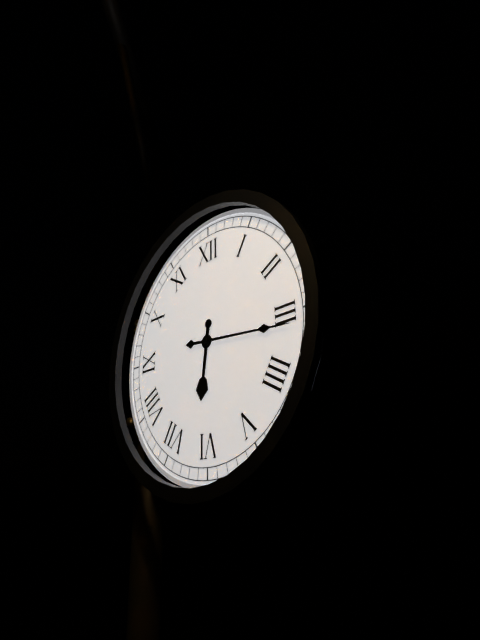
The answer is 6,16
